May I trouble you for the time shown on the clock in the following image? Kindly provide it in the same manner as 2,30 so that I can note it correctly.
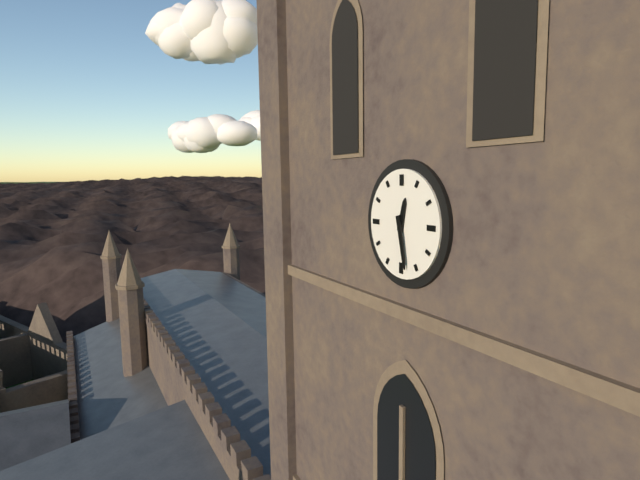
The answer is 12,28
